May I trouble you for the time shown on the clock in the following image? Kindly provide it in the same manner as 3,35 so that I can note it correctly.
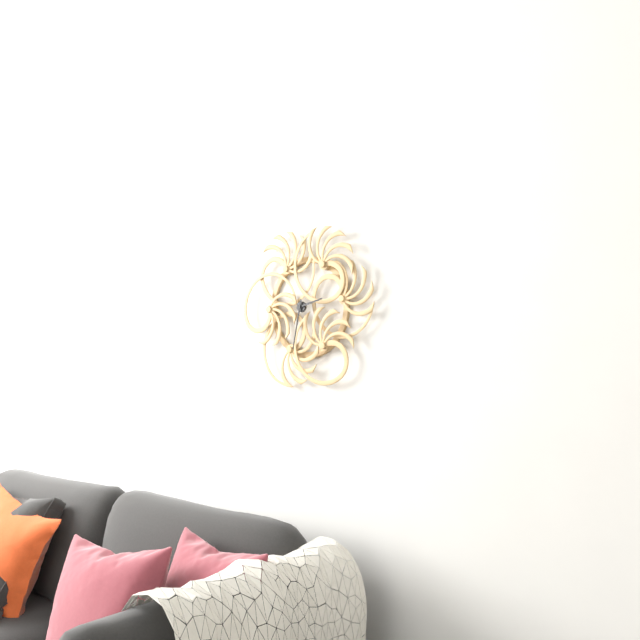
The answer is 2,32
